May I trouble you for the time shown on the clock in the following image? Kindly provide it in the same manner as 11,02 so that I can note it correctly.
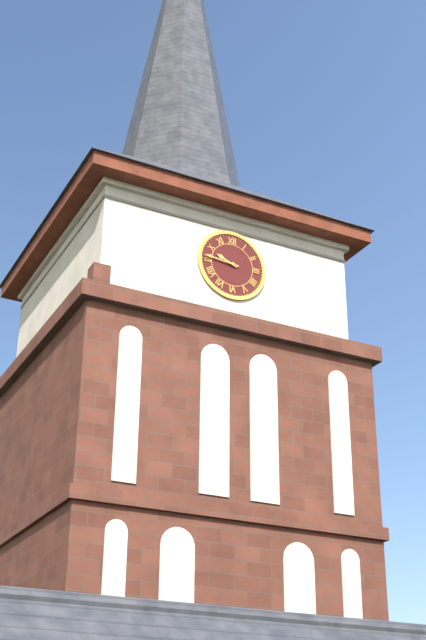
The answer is 9,46
